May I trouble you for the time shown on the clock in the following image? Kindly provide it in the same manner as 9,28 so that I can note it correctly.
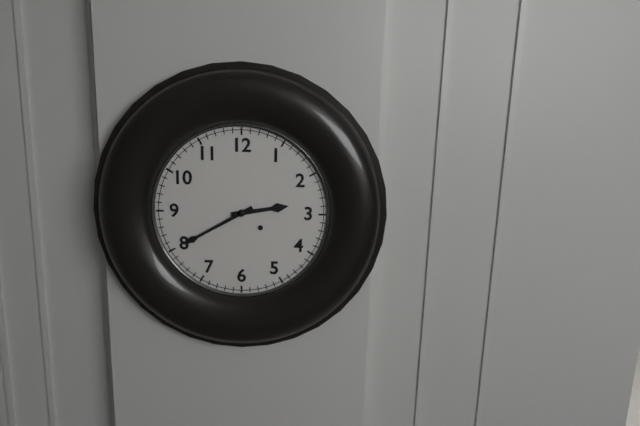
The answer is 2,40
